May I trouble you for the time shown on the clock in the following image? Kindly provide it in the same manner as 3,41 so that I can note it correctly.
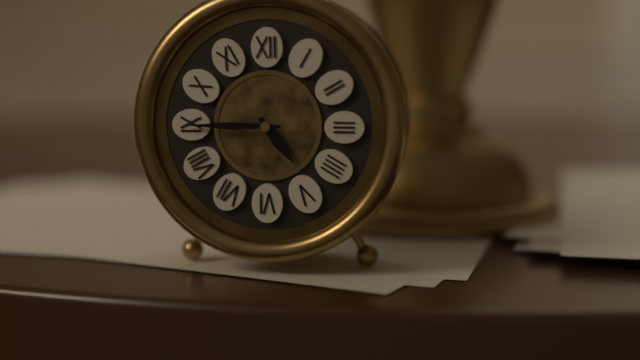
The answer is 4,45
